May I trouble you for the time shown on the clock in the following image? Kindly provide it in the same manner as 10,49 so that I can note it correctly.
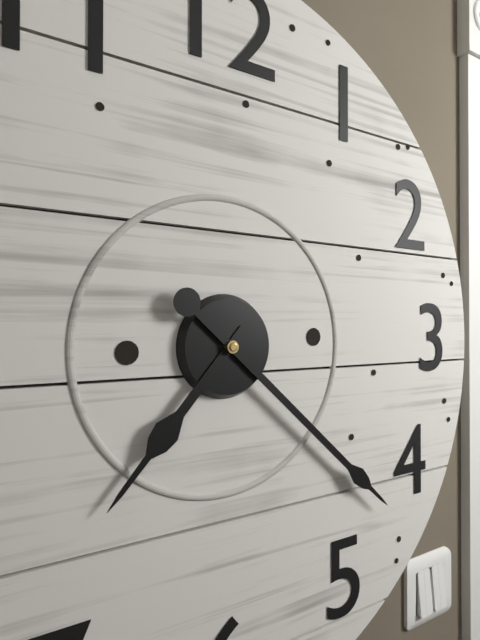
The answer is 7,22
